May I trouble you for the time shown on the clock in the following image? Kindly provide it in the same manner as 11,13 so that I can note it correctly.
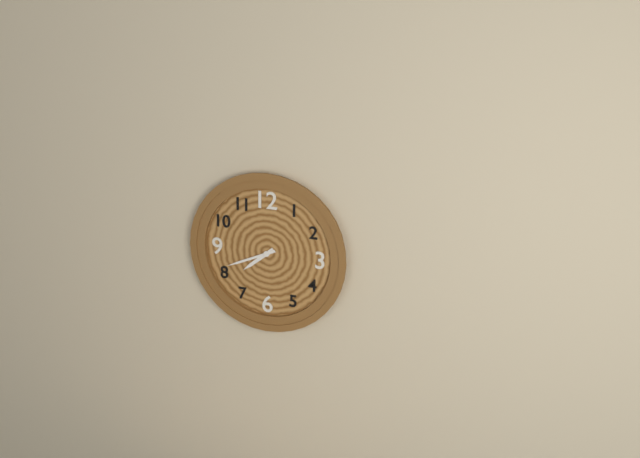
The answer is 7,41
